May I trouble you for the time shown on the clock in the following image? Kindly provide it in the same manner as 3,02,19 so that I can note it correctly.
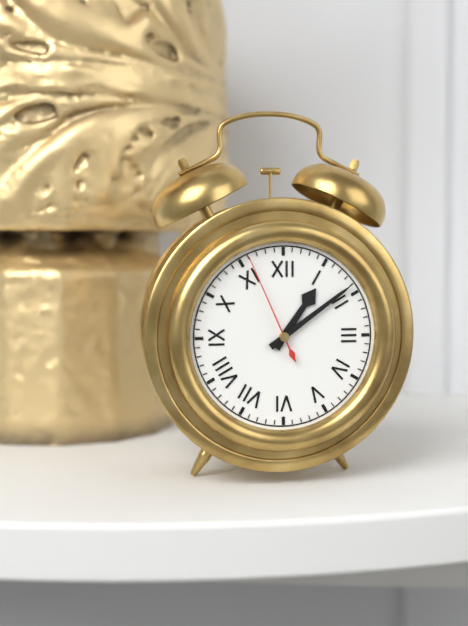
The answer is 1,09,56
